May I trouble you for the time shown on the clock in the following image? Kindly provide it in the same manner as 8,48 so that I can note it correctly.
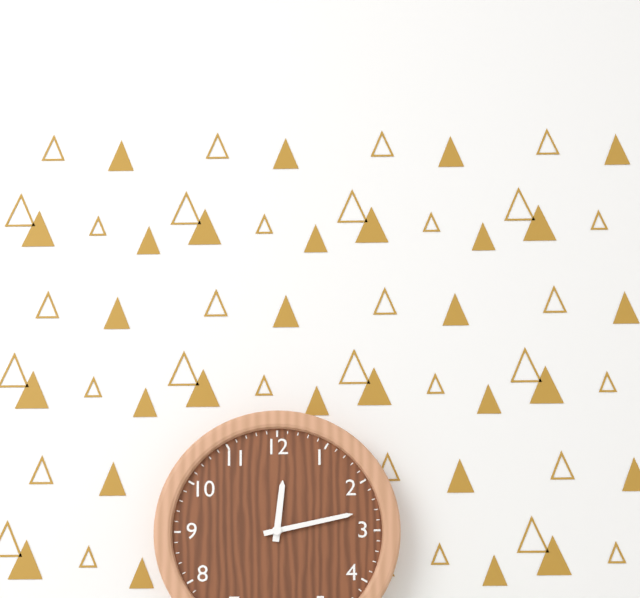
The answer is 12,13
